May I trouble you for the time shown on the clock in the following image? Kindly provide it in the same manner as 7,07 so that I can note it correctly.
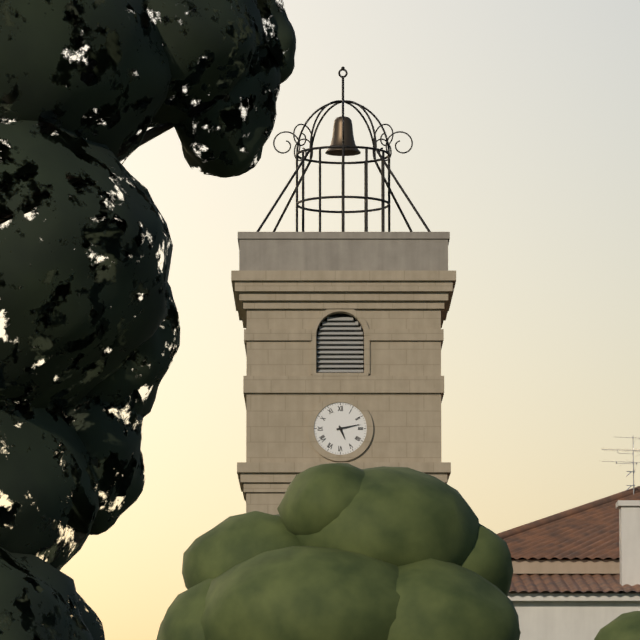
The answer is 5,13
